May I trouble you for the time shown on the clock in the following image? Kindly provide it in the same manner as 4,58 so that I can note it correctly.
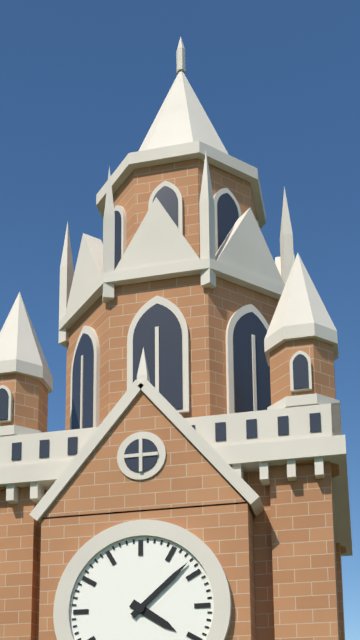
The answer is 4,08
